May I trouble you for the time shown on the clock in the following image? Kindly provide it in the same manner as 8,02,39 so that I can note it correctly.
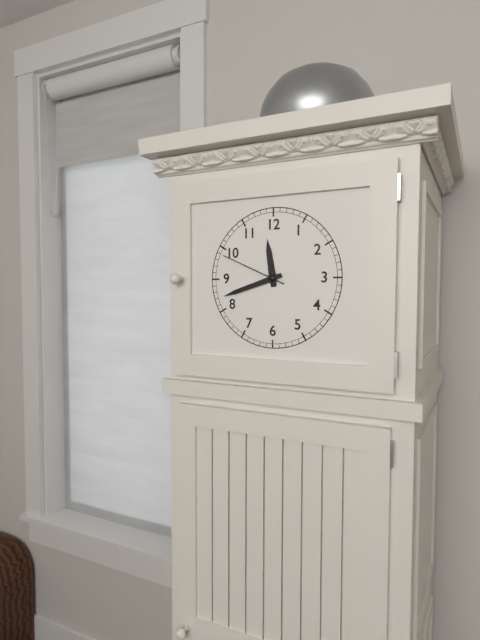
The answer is 11,42,49
